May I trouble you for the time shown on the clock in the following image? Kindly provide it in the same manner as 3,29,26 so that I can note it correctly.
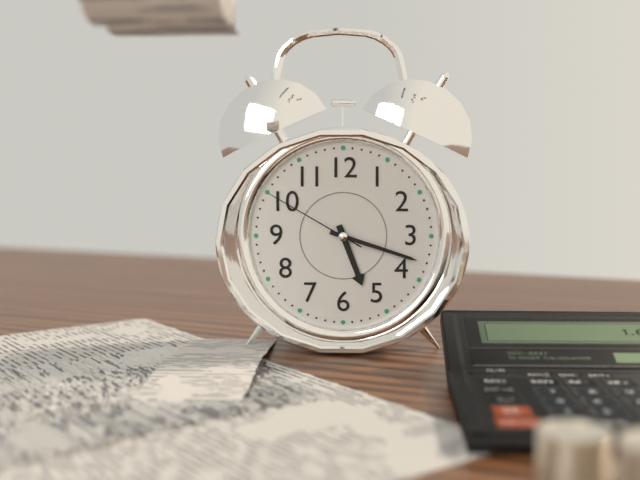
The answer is 5,18,50
